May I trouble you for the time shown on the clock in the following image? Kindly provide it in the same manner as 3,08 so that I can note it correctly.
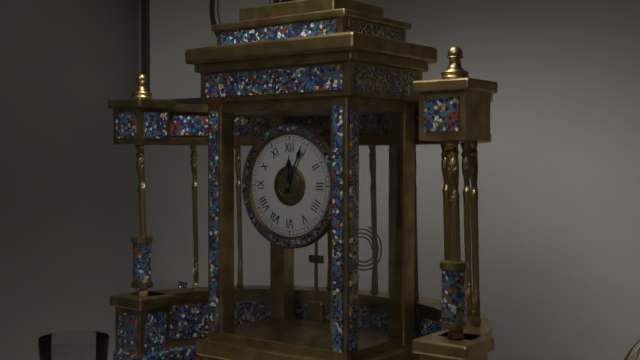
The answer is 12,04
